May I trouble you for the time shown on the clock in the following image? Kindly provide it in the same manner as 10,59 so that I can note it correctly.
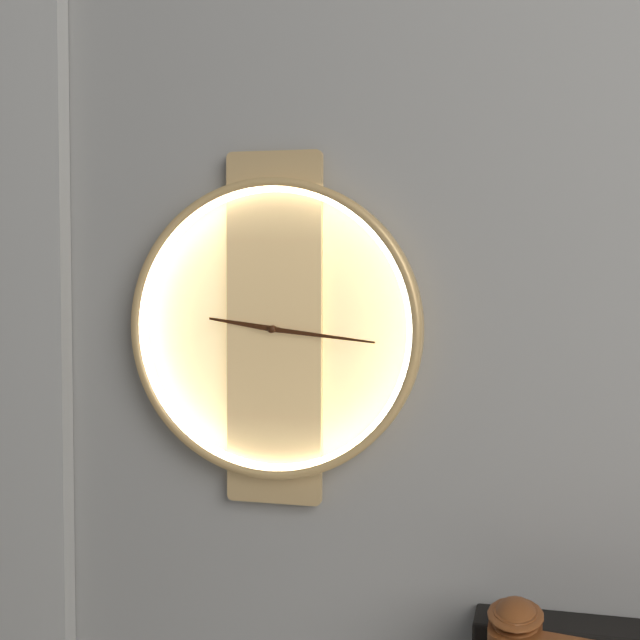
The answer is 9,16
